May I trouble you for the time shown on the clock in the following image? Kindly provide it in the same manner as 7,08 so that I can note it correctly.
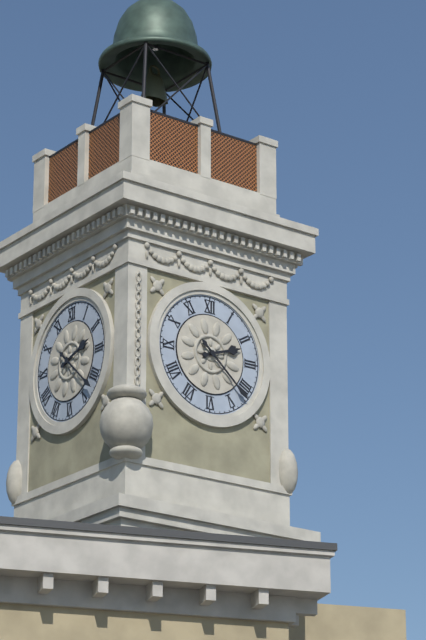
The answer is 2,22
